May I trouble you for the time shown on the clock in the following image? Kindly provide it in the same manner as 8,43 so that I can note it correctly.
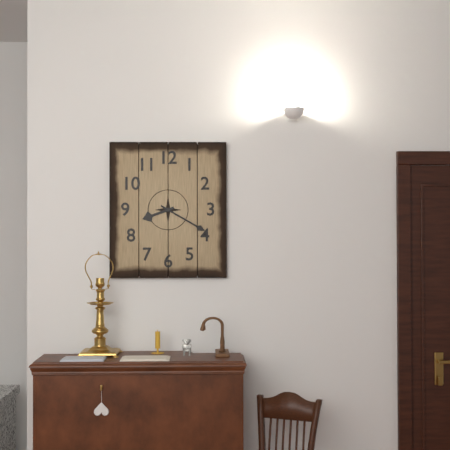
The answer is 8,20
